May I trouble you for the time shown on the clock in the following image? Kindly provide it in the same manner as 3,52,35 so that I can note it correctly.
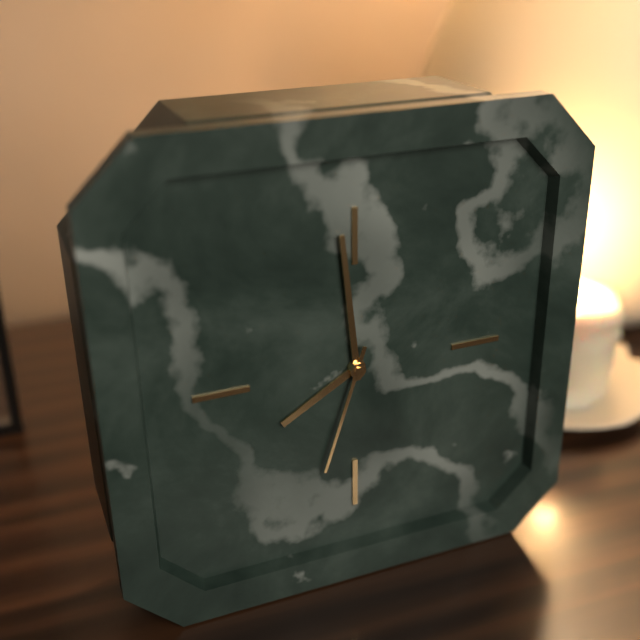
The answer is 7,59,33
